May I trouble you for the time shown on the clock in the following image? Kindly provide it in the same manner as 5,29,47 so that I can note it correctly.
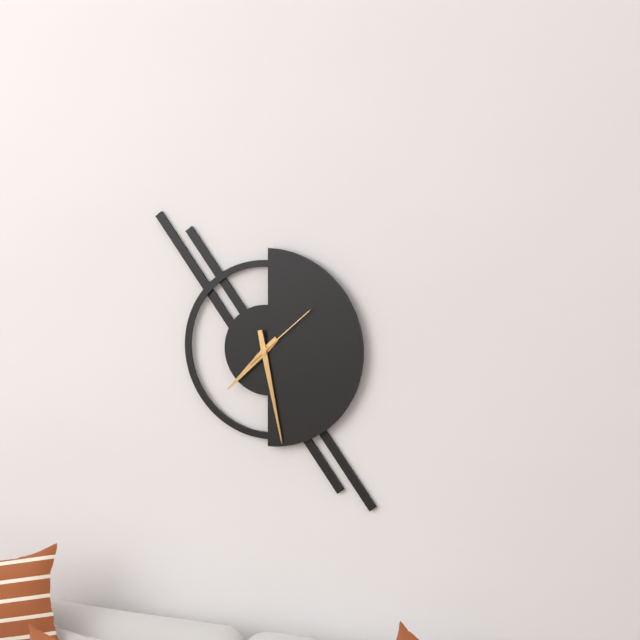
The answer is 7,28,08
